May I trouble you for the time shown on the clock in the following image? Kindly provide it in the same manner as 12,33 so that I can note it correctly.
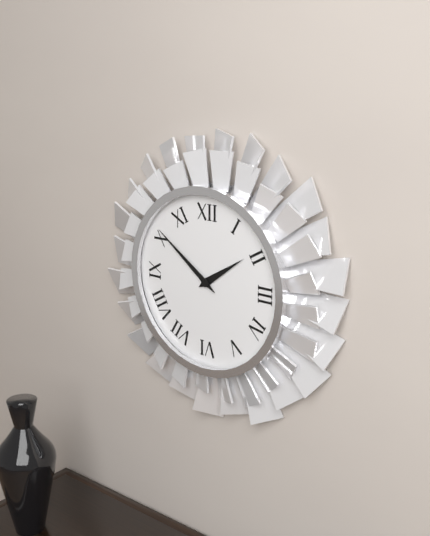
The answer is 1,51
